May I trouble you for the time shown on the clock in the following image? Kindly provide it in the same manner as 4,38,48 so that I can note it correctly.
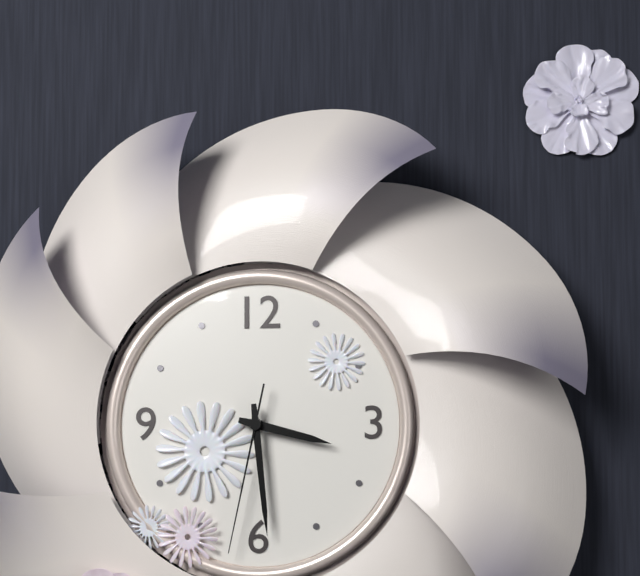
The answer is 3,29,32
